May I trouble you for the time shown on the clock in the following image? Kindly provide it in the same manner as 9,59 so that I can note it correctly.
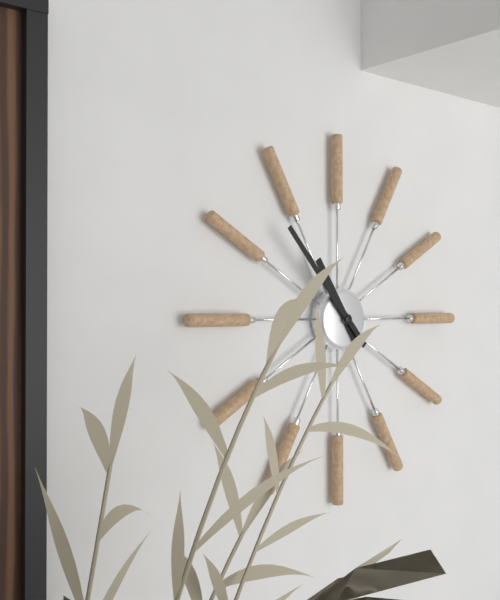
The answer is 10,53
